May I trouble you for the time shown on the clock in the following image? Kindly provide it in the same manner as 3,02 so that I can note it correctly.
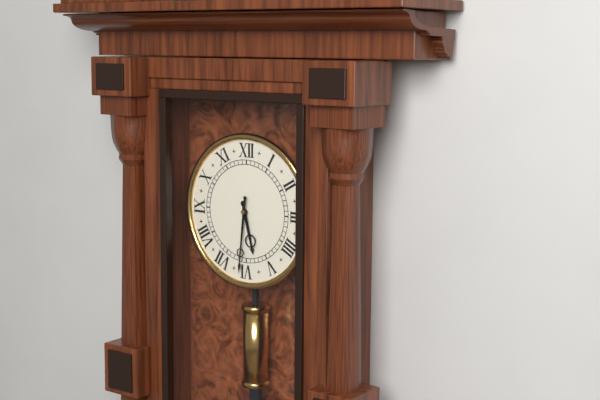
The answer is 5,31
